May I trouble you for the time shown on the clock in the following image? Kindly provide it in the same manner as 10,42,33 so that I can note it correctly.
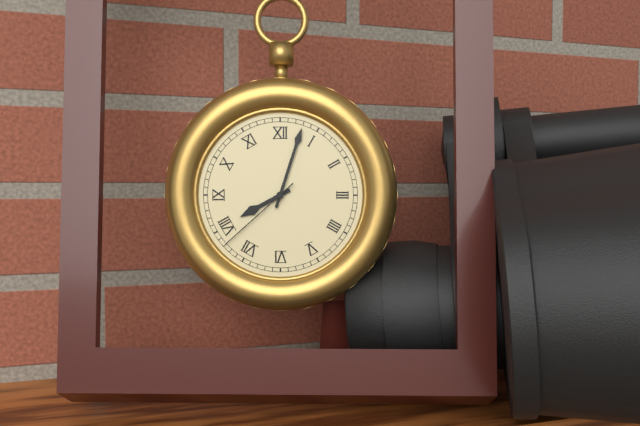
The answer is 8,03,38
